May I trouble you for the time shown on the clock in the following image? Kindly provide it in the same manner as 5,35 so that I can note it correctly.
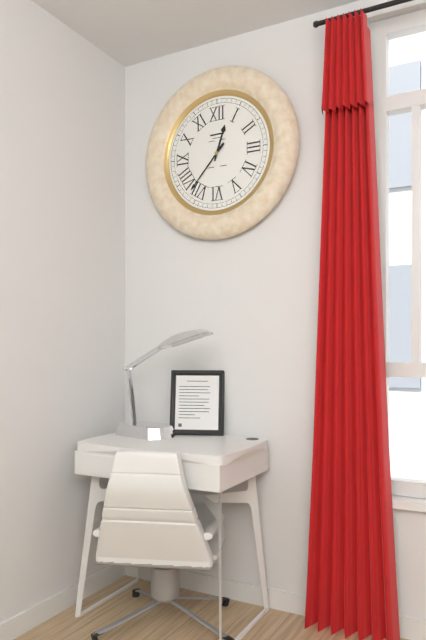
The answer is 12,37
